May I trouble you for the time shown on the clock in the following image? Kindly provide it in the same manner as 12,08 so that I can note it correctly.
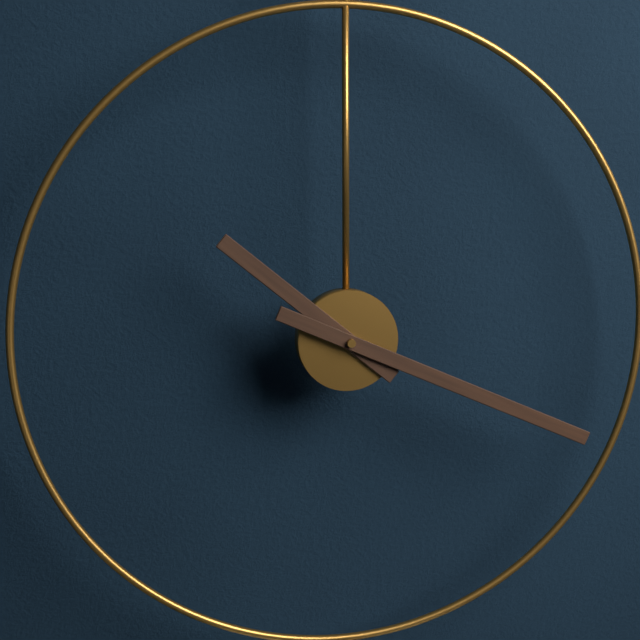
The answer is 10,19
